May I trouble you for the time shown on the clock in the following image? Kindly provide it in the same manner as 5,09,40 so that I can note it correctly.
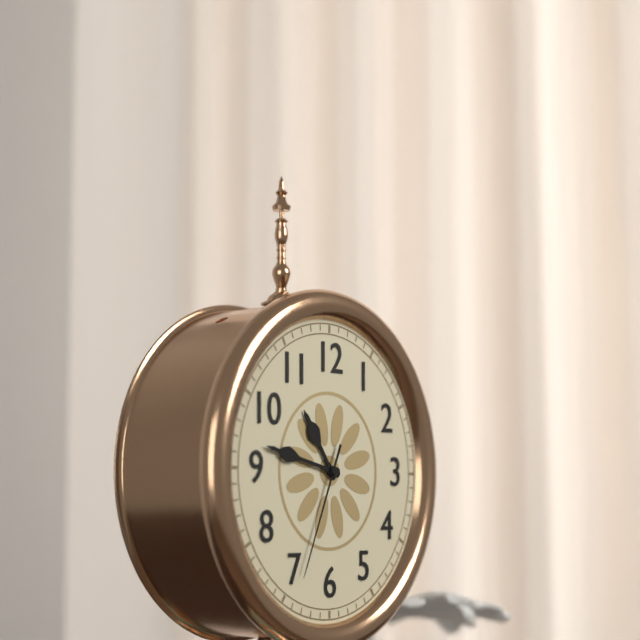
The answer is 10,47,34
